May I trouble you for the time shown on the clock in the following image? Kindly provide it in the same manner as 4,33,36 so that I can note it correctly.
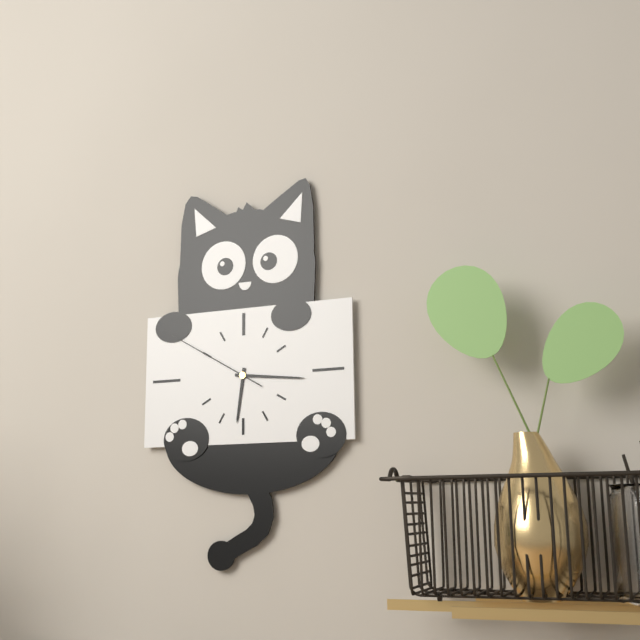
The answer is 6,16,50
